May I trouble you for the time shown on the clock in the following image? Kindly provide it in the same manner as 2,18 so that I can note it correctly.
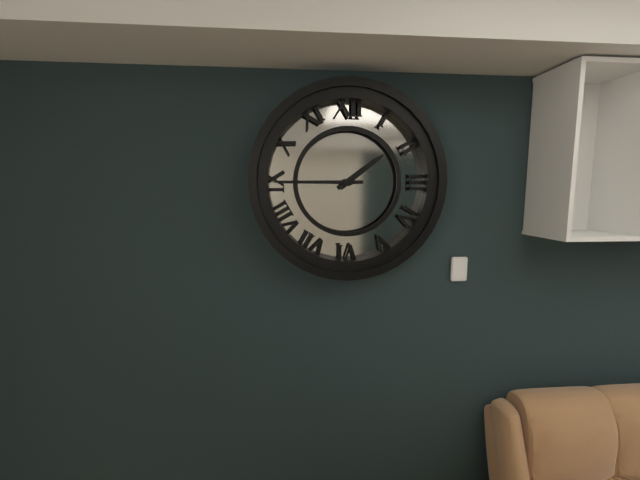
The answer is 1,45
